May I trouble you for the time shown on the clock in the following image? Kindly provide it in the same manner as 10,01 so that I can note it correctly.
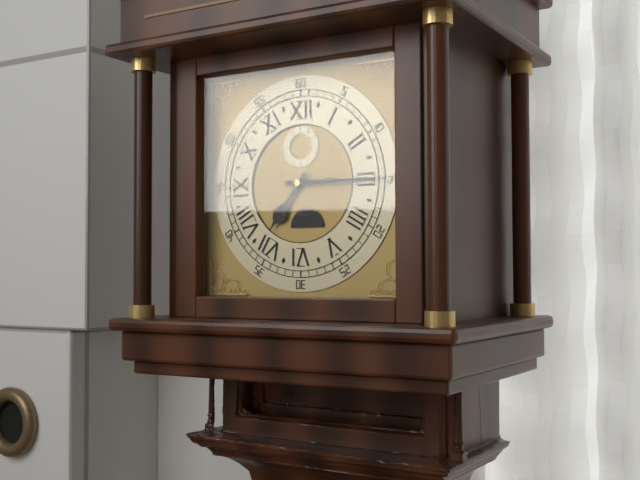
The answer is 7,15
